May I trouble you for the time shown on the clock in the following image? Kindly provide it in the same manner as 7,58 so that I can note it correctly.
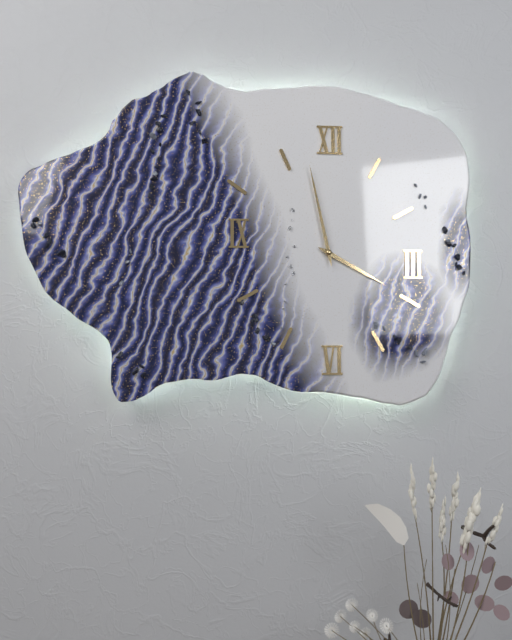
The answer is 3,58
